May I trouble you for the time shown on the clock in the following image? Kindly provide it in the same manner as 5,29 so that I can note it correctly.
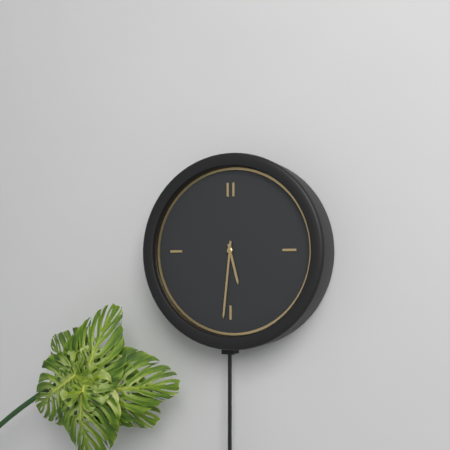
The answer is 5,31
